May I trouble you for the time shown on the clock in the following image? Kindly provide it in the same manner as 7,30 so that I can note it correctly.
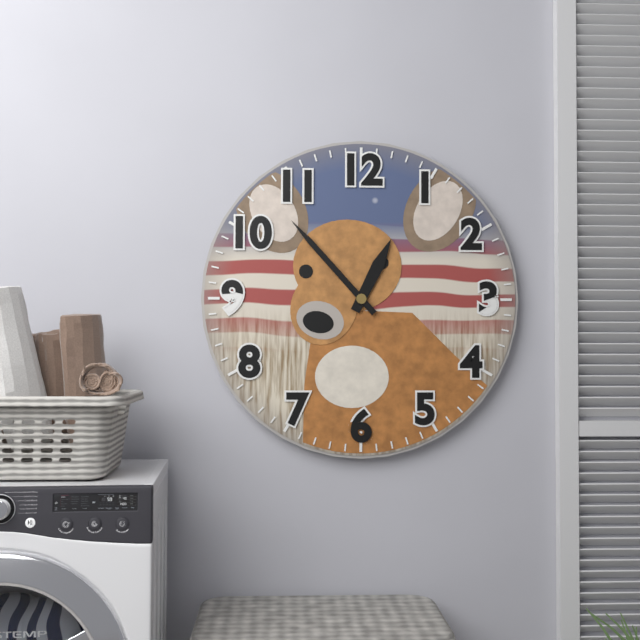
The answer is 12,53
